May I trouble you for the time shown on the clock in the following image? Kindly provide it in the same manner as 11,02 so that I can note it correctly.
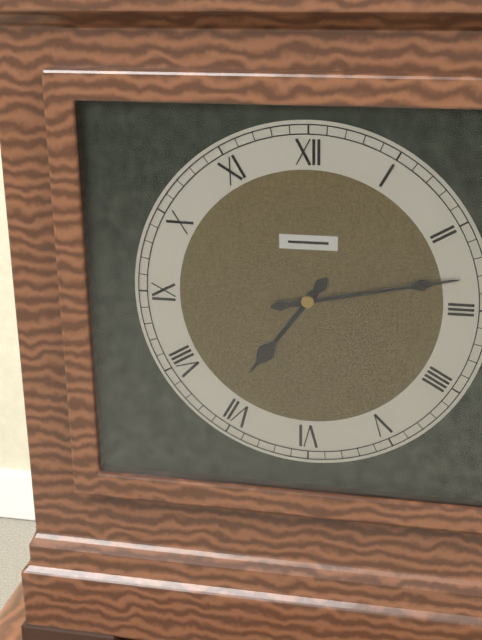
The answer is 7,13
